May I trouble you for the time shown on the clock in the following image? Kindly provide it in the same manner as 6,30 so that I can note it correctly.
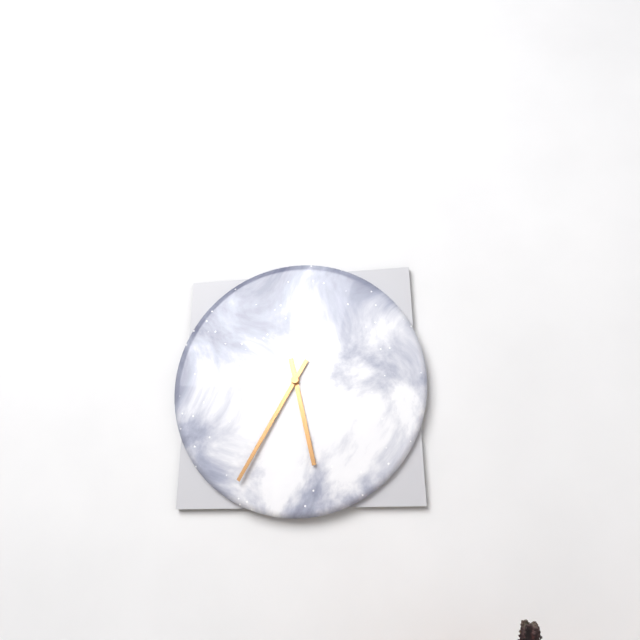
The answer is 5,35
